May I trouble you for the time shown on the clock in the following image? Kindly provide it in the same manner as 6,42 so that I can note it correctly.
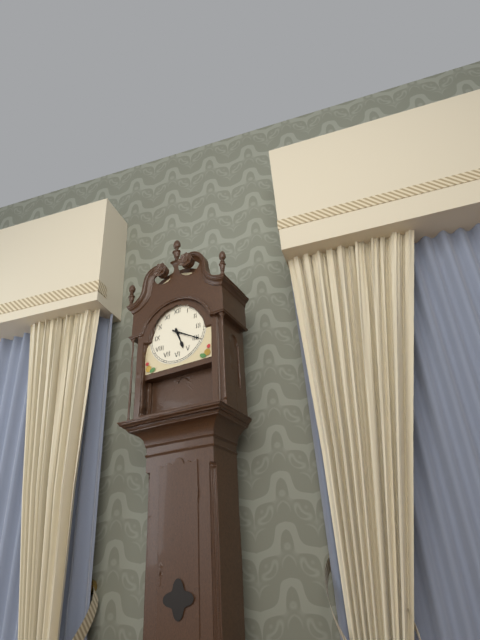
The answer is 5,20
